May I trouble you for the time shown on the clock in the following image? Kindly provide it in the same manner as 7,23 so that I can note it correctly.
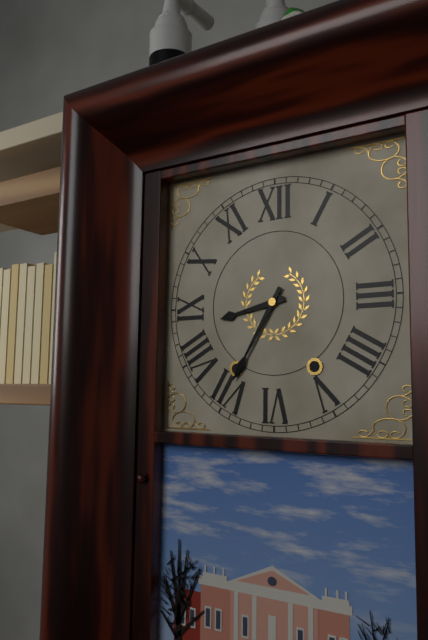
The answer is 8,35
